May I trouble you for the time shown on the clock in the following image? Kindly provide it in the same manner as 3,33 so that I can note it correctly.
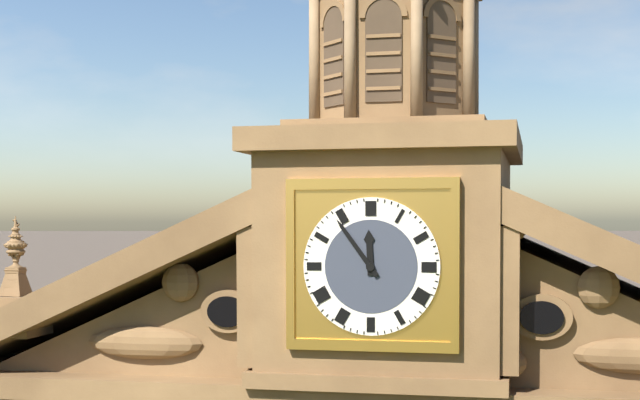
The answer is 11,54
